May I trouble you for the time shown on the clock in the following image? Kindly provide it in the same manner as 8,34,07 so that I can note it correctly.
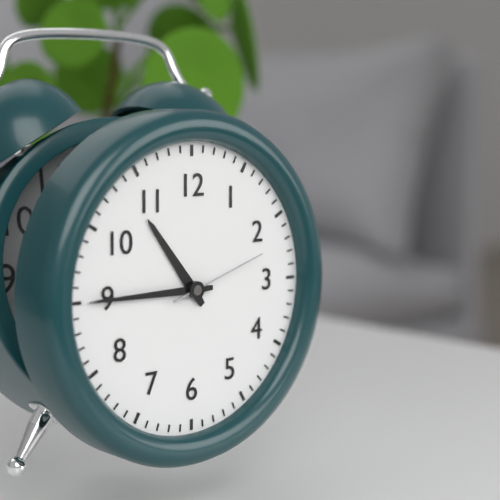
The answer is 10,45,12
